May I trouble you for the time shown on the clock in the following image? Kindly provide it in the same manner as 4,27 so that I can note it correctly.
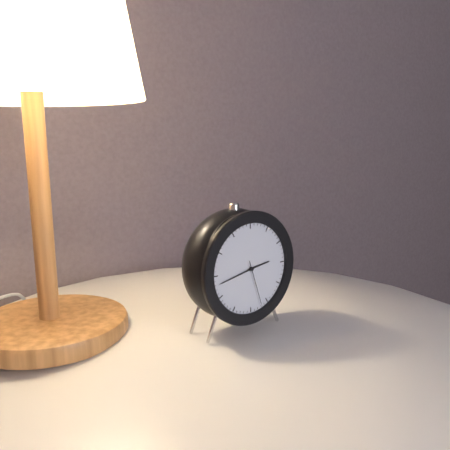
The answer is 2,43
